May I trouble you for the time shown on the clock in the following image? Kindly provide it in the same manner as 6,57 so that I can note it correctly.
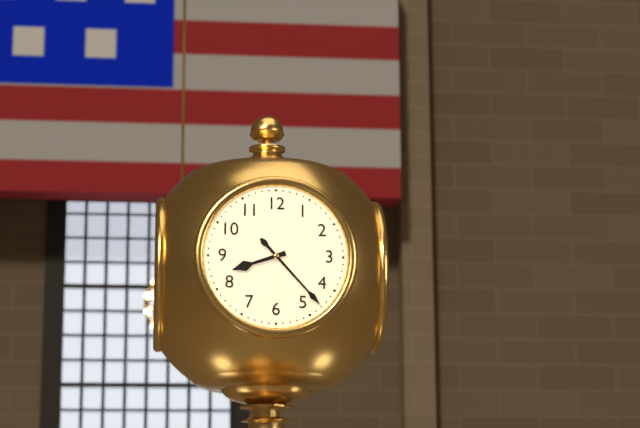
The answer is 8,23
